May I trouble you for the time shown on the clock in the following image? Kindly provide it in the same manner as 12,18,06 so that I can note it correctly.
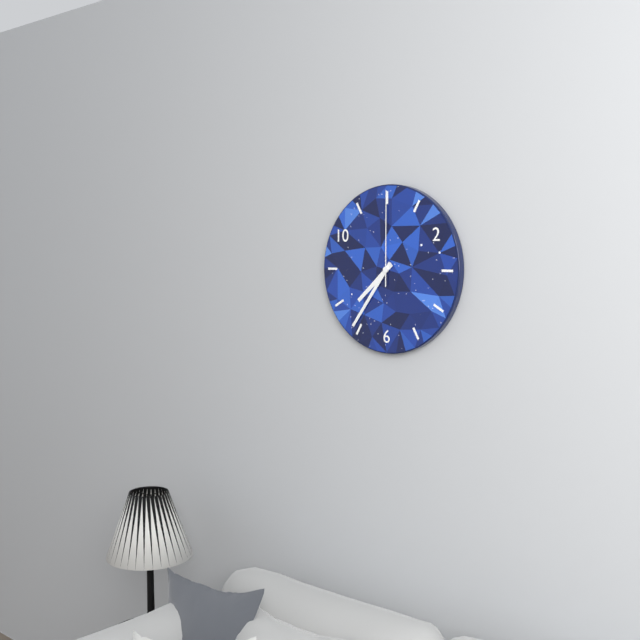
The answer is 7,36,00
